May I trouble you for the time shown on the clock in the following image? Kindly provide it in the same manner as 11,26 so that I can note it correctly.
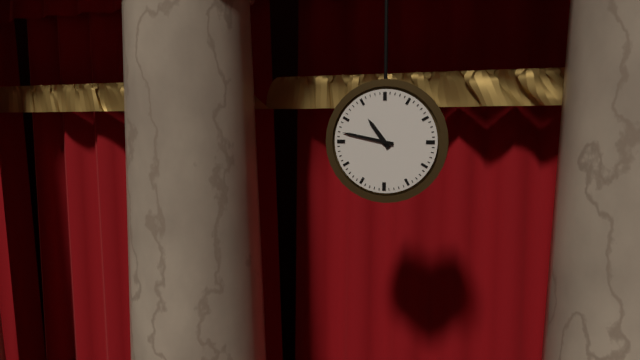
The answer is 10,47
